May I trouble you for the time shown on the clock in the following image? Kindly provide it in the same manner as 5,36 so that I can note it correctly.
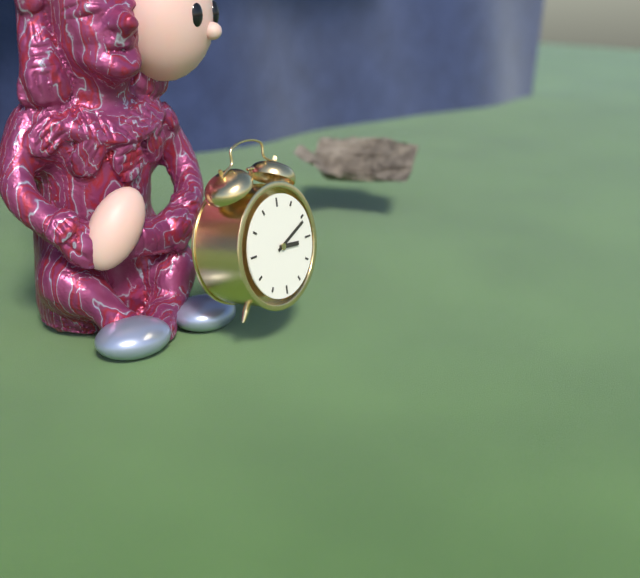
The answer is 3,11
